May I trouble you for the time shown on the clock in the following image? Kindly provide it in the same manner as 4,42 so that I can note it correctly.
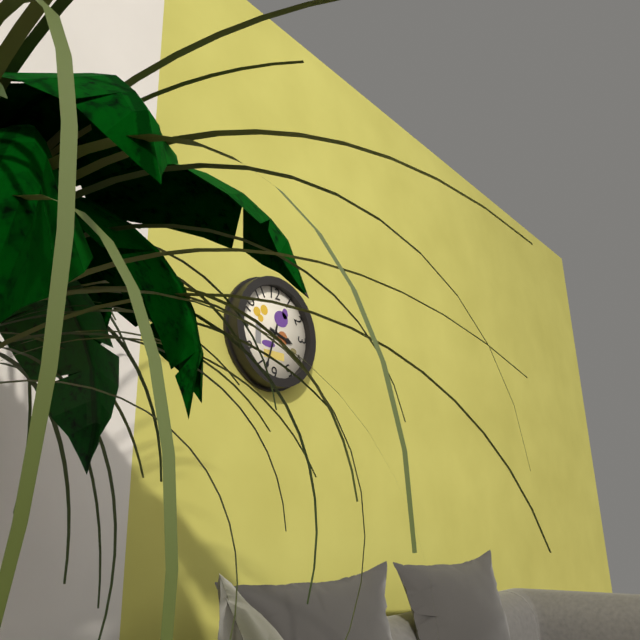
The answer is 3,33
